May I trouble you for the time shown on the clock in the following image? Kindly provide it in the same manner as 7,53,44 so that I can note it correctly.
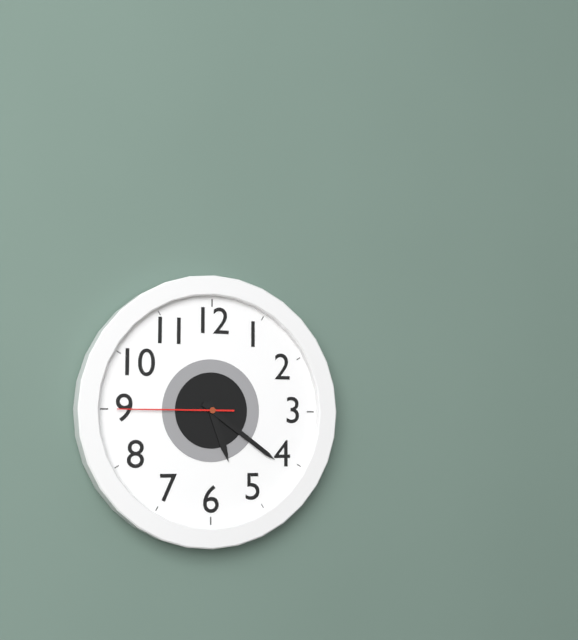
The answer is 5,21,45
